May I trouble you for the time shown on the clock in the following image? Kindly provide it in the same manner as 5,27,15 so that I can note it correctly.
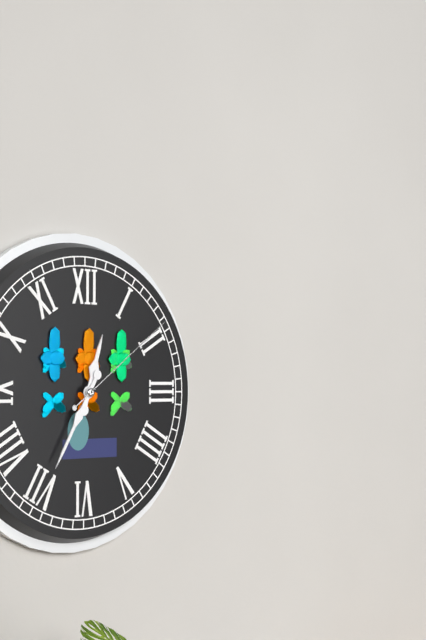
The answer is 12,35,09
